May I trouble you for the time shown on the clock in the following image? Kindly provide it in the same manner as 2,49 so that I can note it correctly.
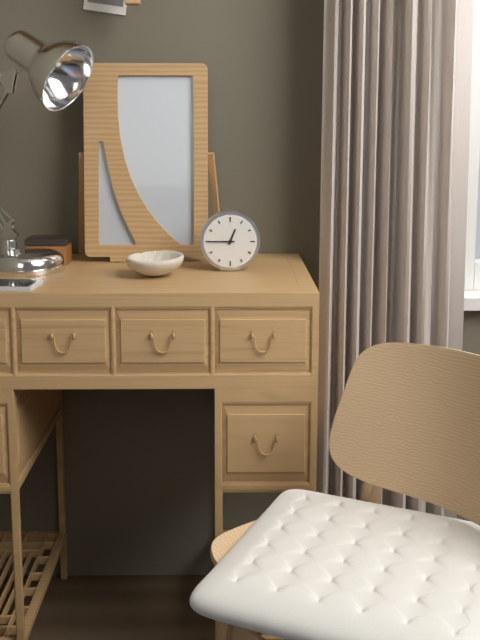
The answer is 12,45
